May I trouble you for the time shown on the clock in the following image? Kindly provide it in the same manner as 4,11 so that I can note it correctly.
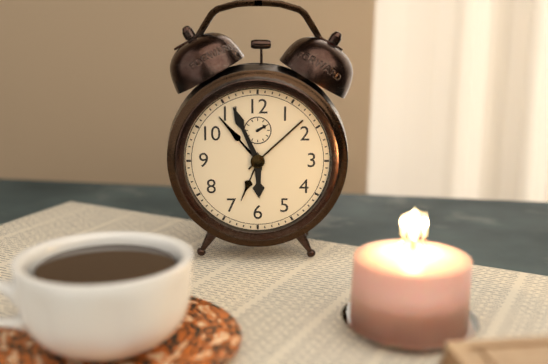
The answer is 5,56
